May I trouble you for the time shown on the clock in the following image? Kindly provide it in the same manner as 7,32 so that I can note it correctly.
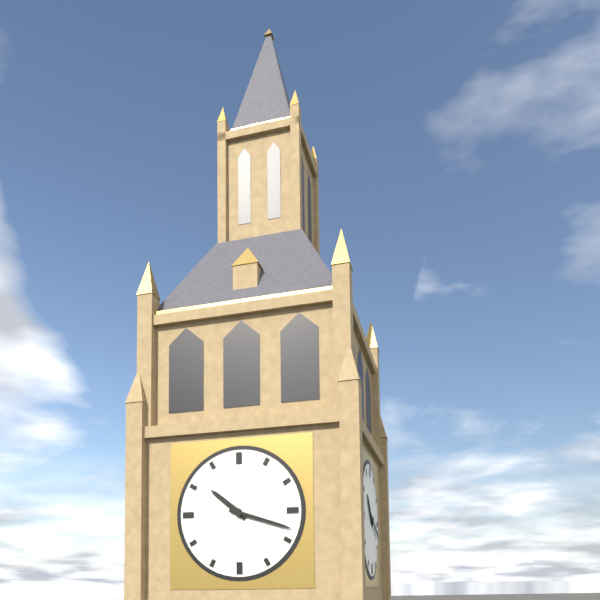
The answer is 10,18
